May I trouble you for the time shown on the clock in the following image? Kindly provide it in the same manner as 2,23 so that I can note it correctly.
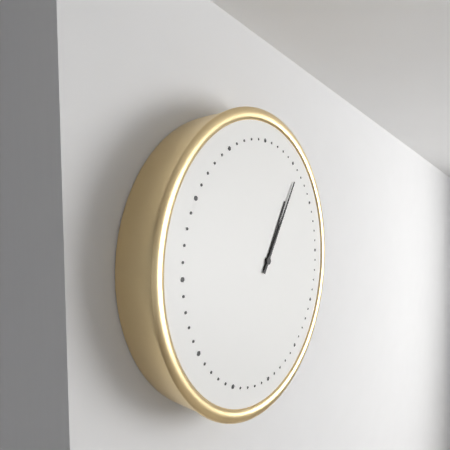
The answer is 1,06
